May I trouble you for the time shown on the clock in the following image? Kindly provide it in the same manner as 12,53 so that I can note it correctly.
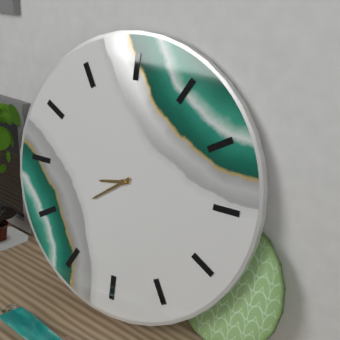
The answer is 8,39
